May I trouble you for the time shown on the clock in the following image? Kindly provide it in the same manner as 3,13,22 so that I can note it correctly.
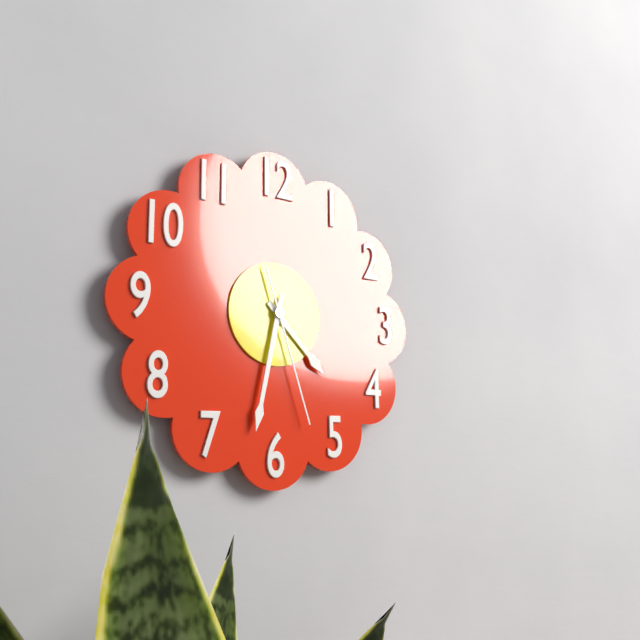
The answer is 4,32,27
